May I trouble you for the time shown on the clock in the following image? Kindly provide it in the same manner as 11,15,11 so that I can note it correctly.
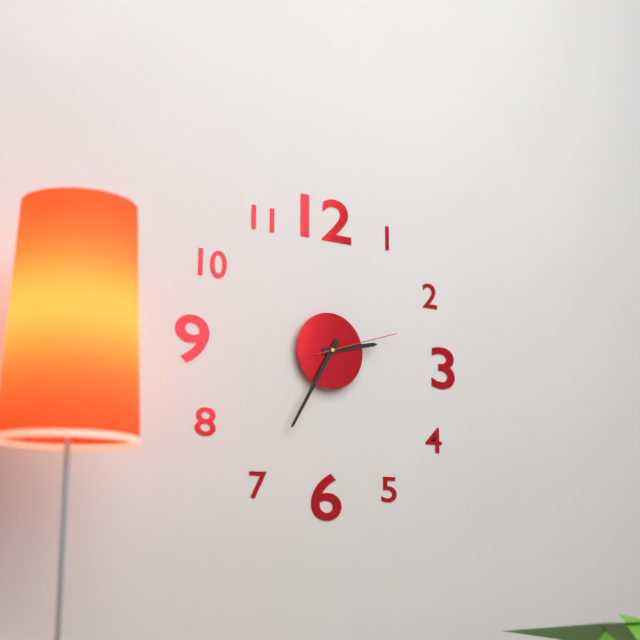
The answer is 2,35,12
